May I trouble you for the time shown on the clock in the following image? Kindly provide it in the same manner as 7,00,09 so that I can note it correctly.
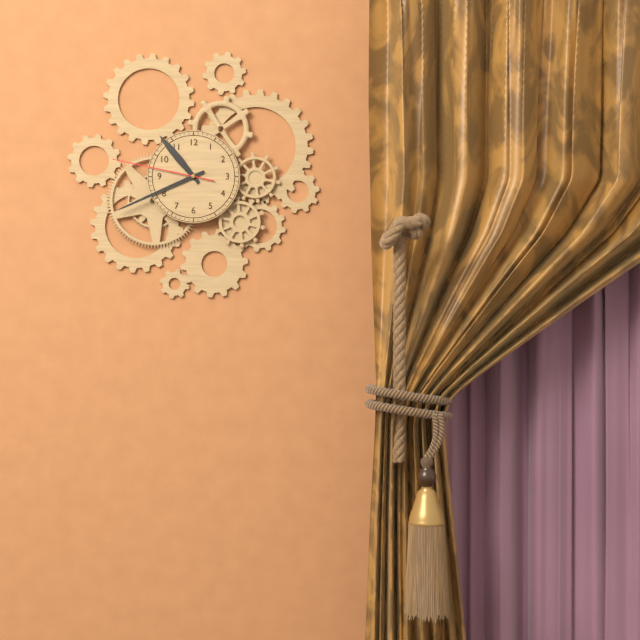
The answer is 10,41,47
